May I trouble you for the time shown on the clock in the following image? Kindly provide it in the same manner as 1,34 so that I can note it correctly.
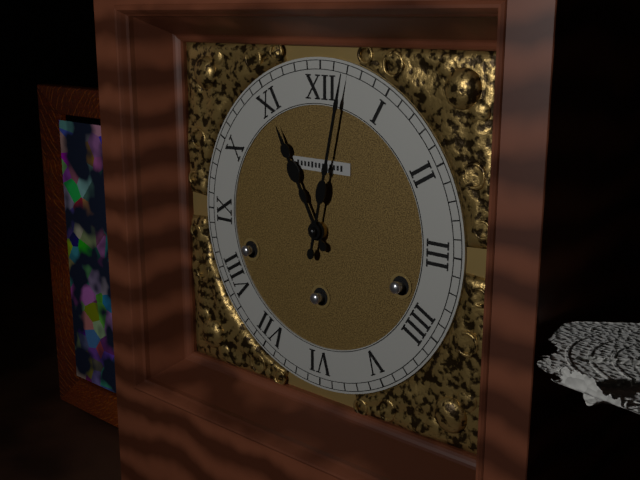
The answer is 11,02
